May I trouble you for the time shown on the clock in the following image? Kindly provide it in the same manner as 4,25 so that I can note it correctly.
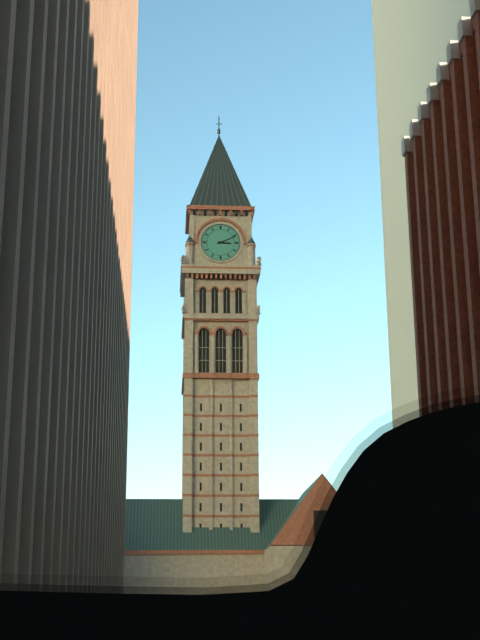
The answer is 3,11
